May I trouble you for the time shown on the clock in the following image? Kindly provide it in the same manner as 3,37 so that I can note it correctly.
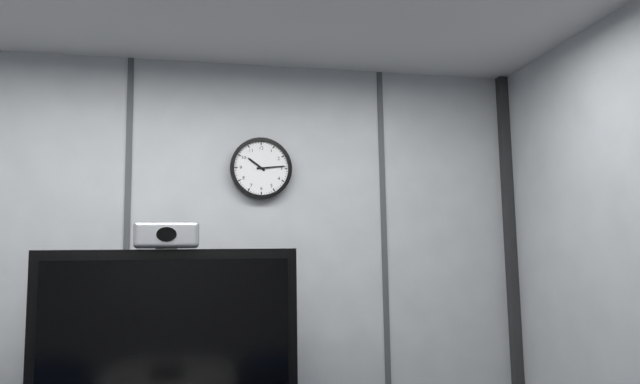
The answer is 10,14
